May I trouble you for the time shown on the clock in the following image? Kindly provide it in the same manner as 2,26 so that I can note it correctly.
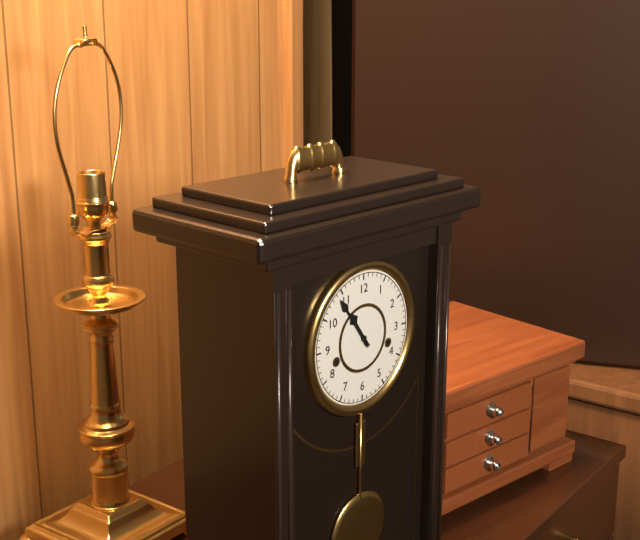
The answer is 10,54
